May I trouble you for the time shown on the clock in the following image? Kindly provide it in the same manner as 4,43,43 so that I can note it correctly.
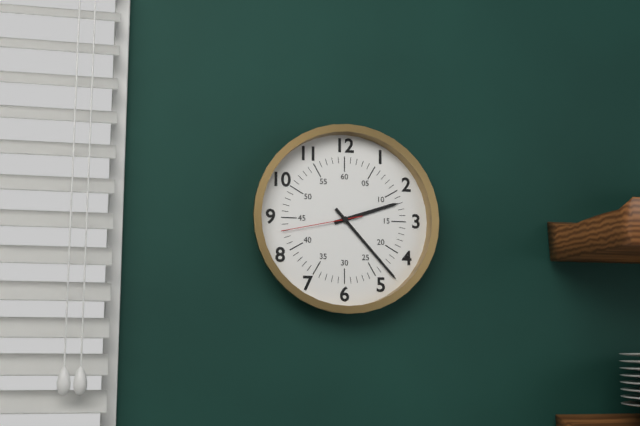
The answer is 2,23,43
